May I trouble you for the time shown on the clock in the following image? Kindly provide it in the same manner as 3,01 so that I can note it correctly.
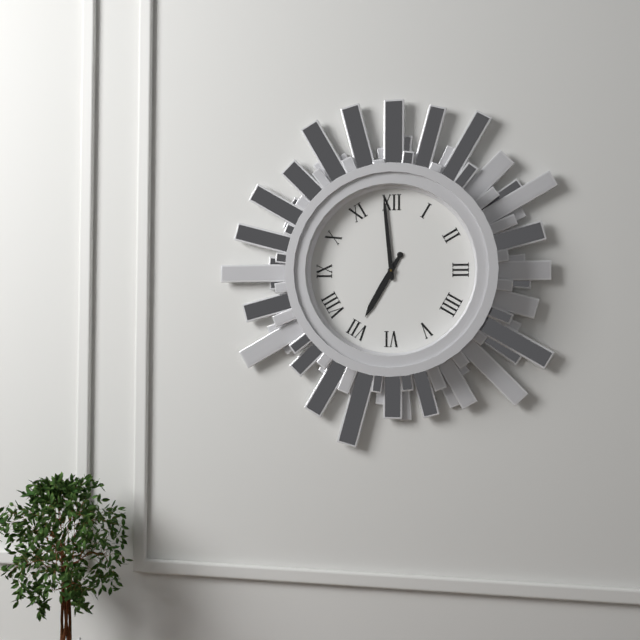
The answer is 6,59
